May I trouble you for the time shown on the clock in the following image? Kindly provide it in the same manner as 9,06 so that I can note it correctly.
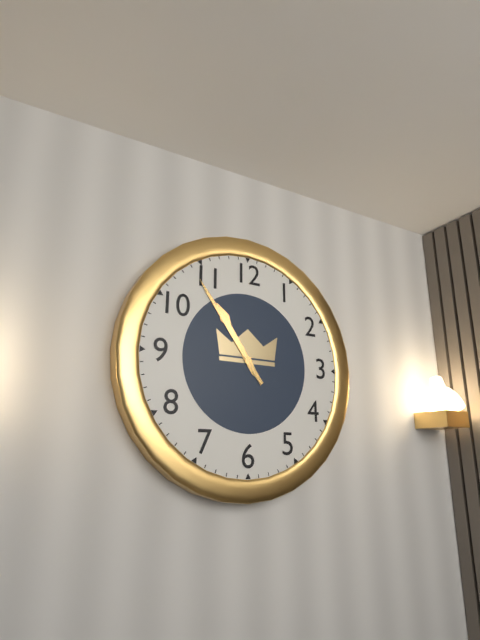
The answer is 10,54
